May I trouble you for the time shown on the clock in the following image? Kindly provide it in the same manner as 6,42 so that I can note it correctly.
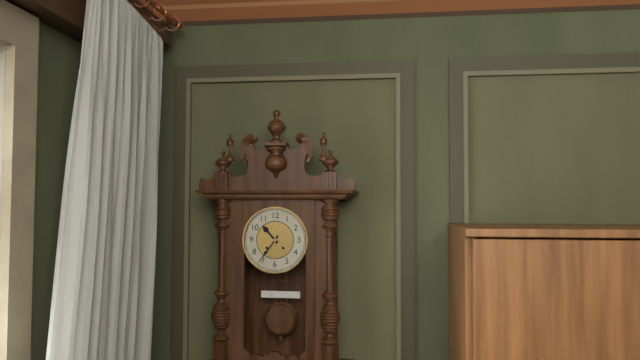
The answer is 10,36
